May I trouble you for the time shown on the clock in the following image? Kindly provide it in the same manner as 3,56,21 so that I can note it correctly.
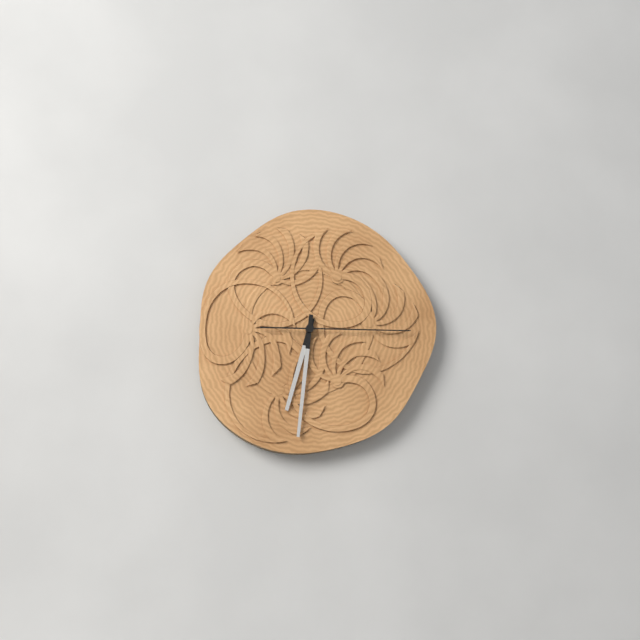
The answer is 6,31,15
